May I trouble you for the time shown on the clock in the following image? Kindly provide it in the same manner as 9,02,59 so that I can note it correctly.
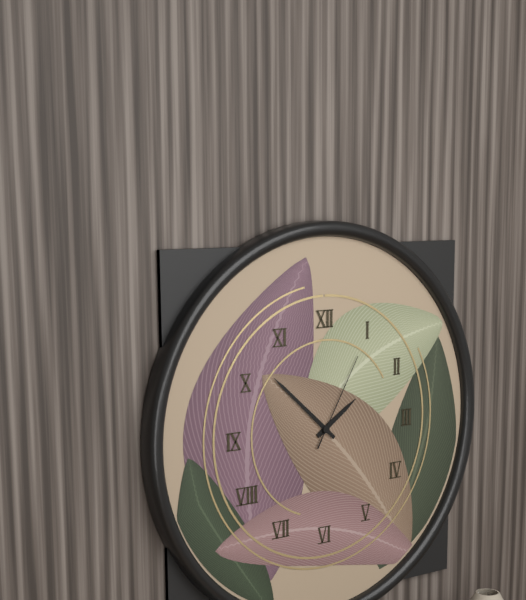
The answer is 1,52,05
